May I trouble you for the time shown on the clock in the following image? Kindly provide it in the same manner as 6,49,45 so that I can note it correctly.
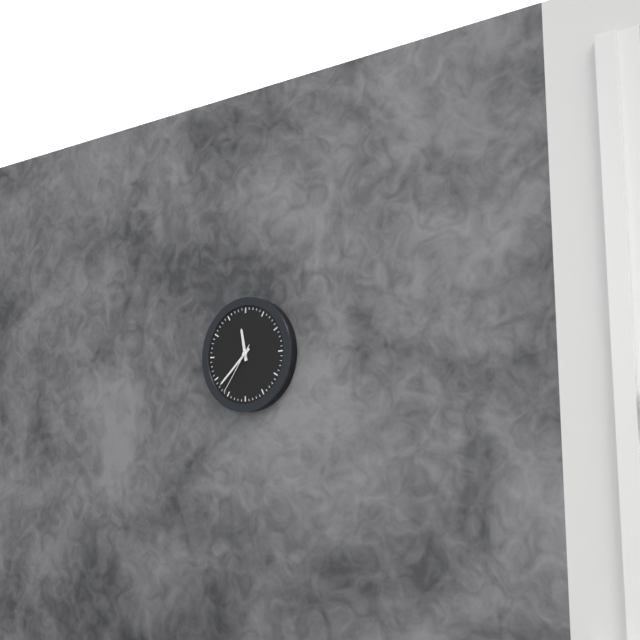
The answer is 11,38,36
